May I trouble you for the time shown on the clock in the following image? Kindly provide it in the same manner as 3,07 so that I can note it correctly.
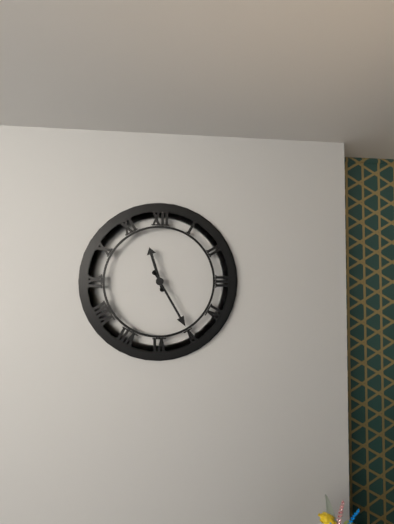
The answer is 11,25
